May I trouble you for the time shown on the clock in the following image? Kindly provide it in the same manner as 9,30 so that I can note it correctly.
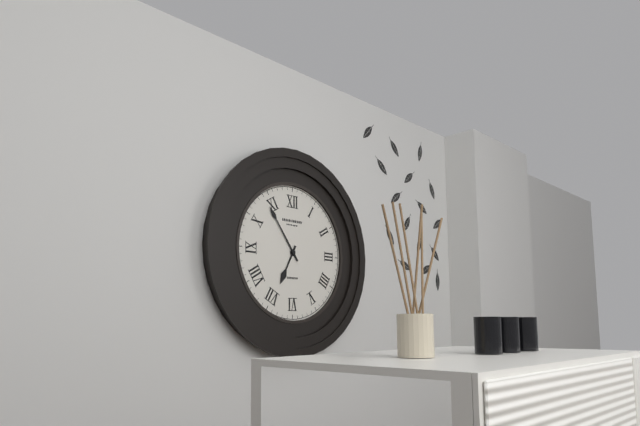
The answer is 6,54
